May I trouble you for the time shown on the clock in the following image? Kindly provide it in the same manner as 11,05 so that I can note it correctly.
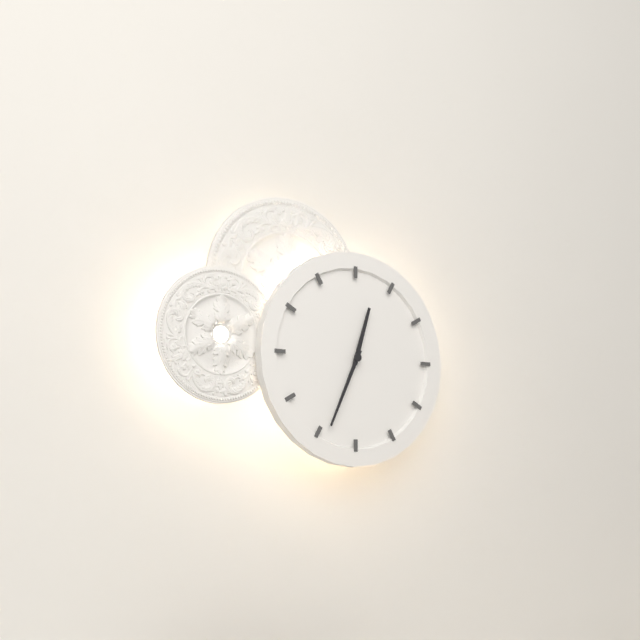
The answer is 12,34
